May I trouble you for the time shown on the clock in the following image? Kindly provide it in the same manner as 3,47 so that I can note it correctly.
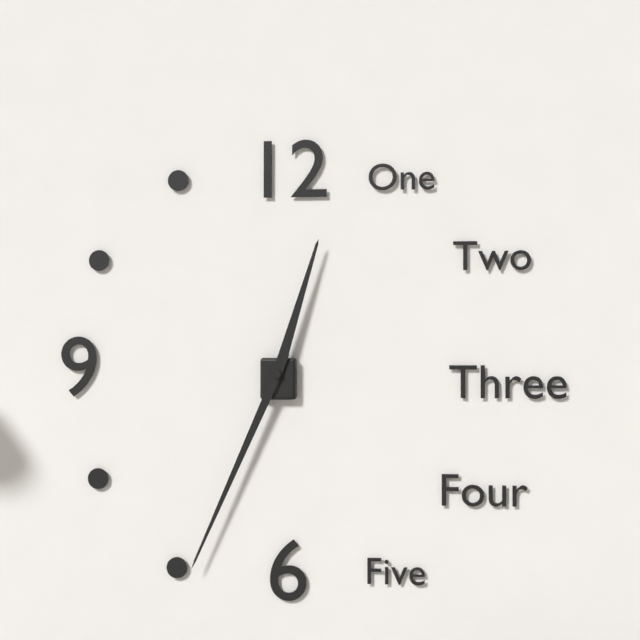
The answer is 12,34
